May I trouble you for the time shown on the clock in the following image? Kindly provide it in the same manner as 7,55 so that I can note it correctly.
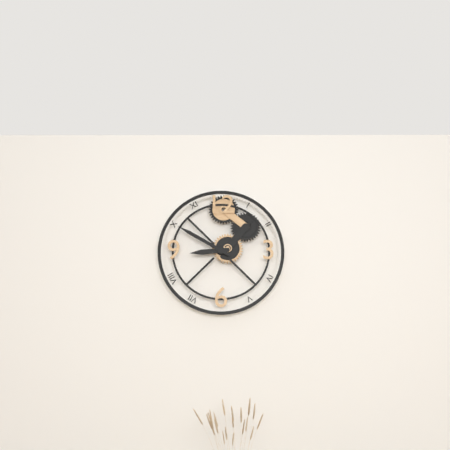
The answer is 8,50
